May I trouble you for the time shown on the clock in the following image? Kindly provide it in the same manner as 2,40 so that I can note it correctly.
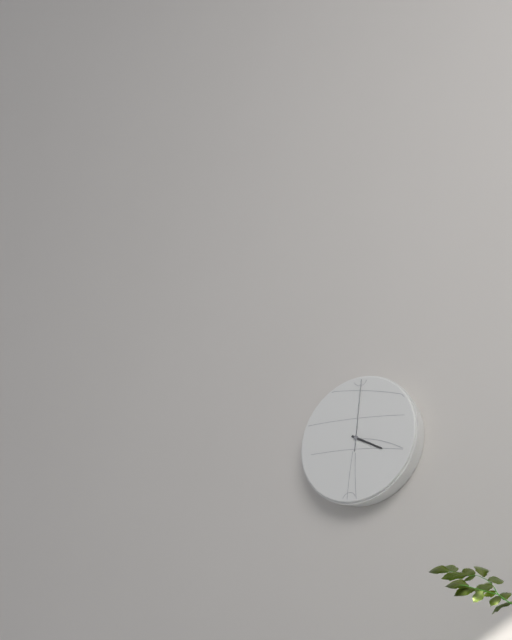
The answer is 4,01
